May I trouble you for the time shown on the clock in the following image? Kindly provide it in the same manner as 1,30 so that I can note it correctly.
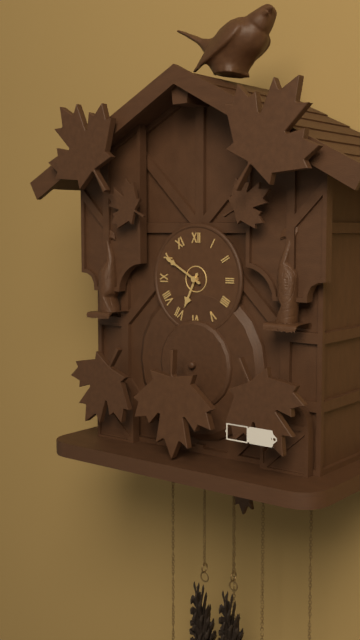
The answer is 6,50
